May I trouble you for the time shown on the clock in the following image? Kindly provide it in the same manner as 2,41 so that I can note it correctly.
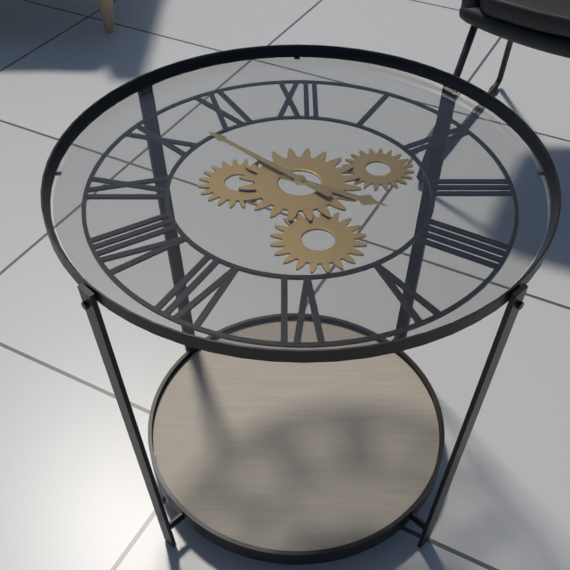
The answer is 3,52
